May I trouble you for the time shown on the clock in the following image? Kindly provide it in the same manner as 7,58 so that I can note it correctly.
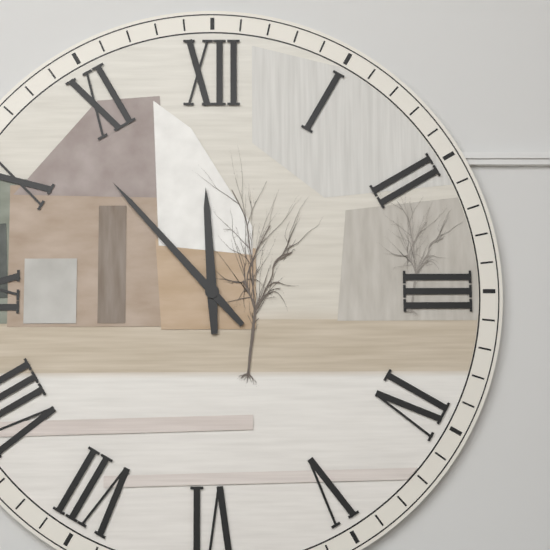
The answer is 11,53
